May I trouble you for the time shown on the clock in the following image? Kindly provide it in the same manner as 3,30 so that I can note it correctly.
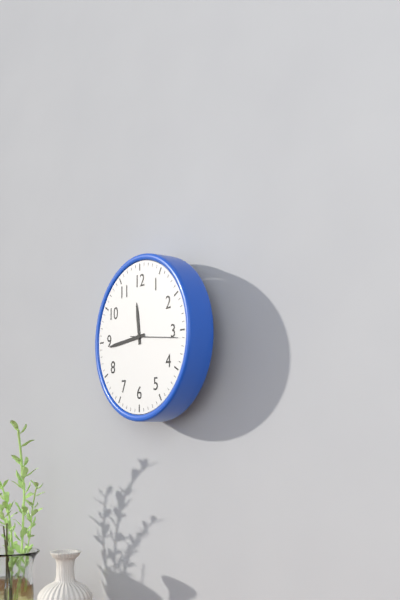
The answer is 11,44
